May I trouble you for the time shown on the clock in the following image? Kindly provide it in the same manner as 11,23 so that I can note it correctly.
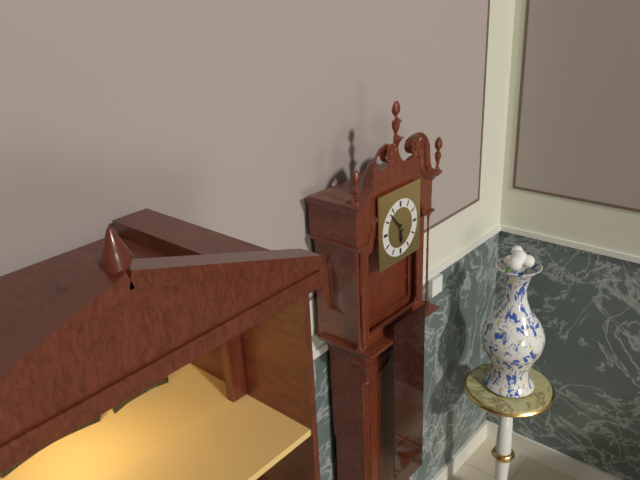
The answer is 5,53
